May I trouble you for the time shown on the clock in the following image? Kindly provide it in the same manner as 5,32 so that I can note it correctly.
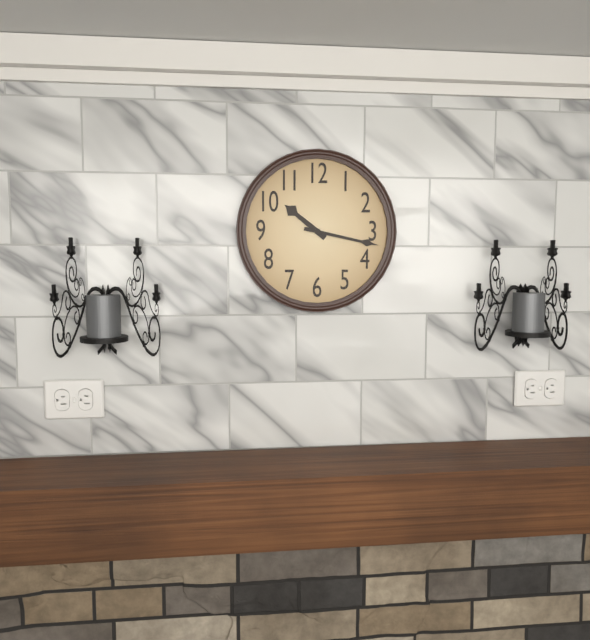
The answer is 10,17
